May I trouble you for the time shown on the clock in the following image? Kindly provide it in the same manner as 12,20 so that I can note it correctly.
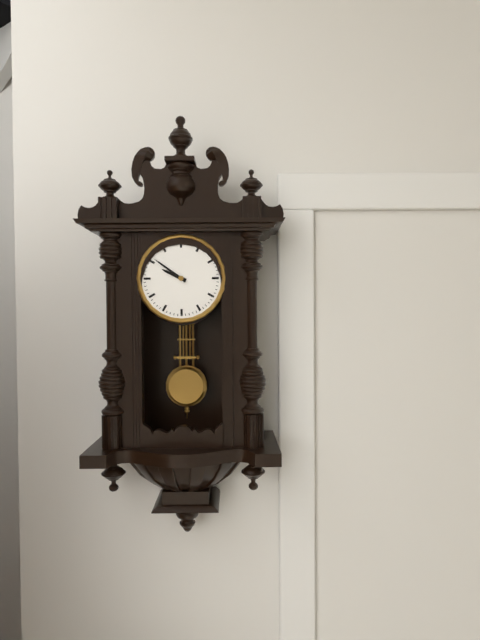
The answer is 9,51
